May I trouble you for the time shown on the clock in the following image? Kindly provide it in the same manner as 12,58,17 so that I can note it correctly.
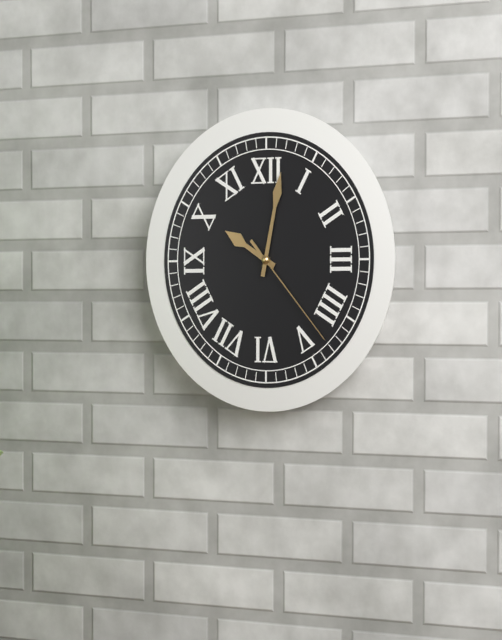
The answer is 10,02,23
